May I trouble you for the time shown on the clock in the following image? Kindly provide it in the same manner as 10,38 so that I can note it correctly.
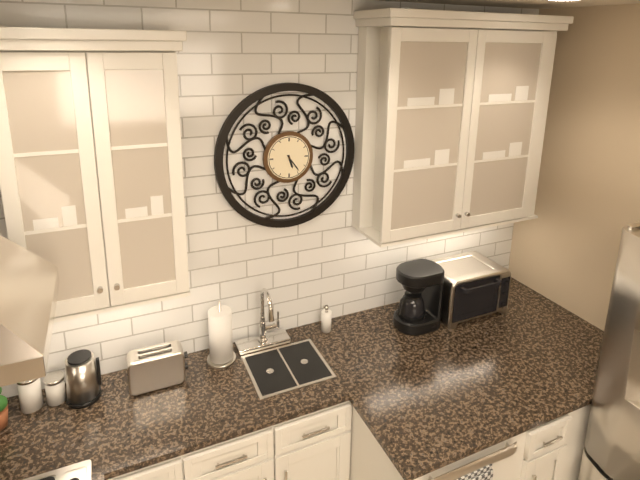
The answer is 5,24
